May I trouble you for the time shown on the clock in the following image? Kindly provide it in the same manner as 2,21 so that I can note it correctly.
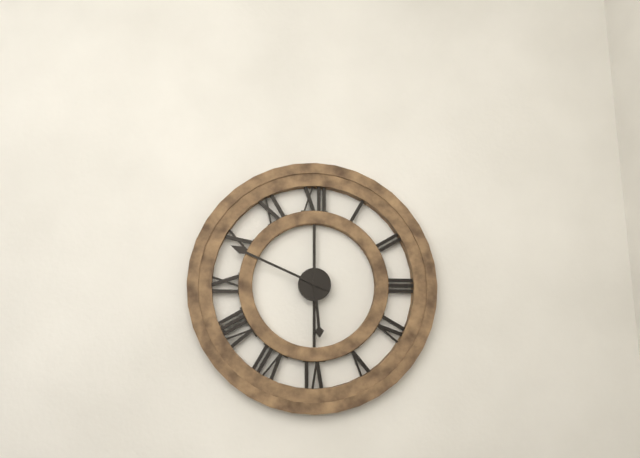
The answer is 5,49
